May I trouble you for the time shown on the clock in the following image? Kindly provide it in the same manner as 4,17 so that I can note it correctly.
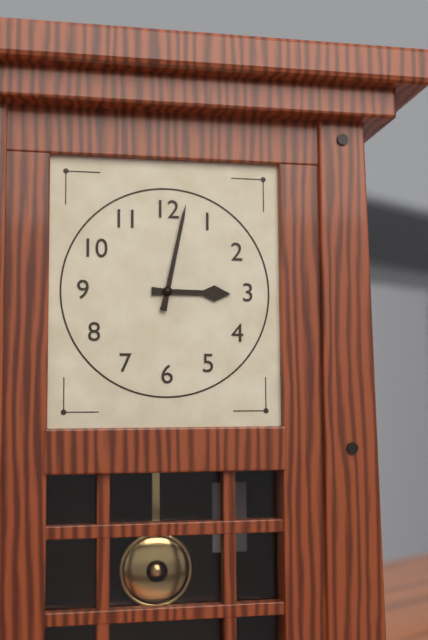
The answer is 3,02
